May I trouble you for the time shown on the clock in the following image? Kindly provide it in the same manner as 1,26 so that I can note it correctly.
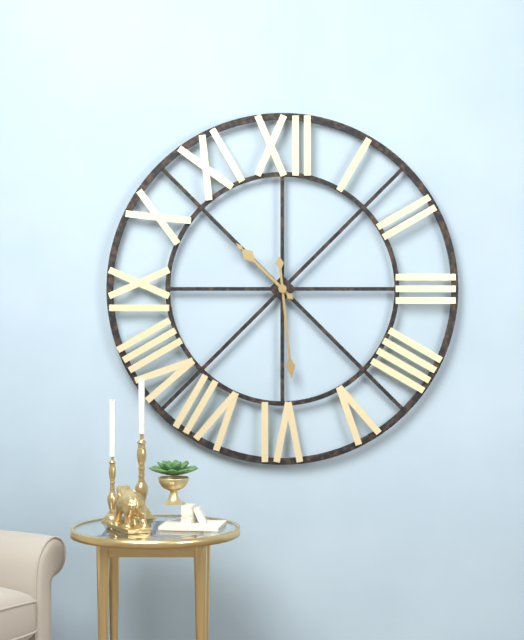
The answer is 10,29
